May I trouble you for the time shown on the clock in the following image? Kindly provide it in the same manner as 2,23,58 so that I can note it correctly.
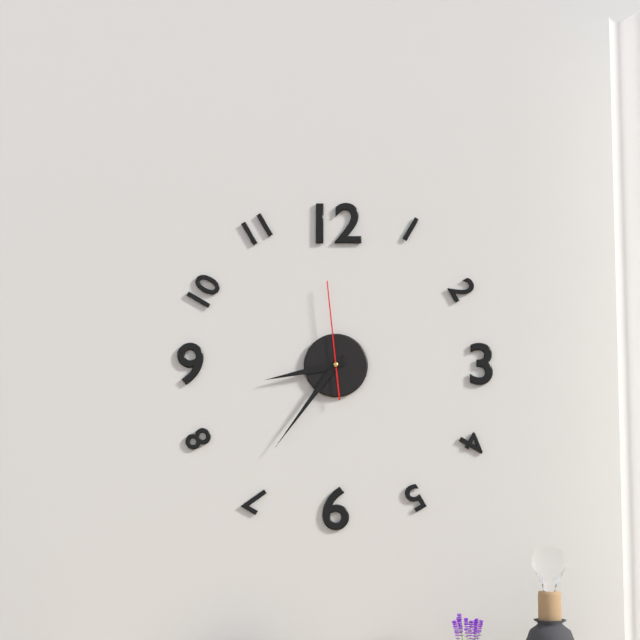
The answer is 8,36,59
